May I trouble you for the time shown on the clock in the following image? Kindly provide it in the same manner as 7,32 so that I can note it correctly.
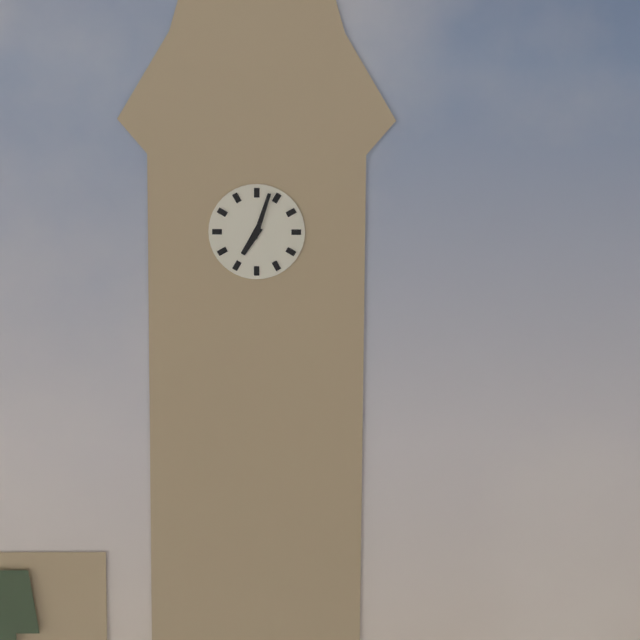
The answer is 7,03
